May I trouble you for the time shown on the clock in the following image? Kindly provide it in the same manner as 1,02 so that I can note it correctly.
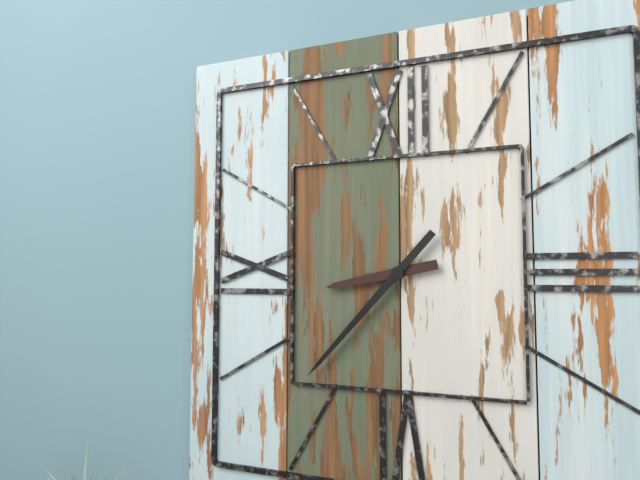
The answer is 8,37
